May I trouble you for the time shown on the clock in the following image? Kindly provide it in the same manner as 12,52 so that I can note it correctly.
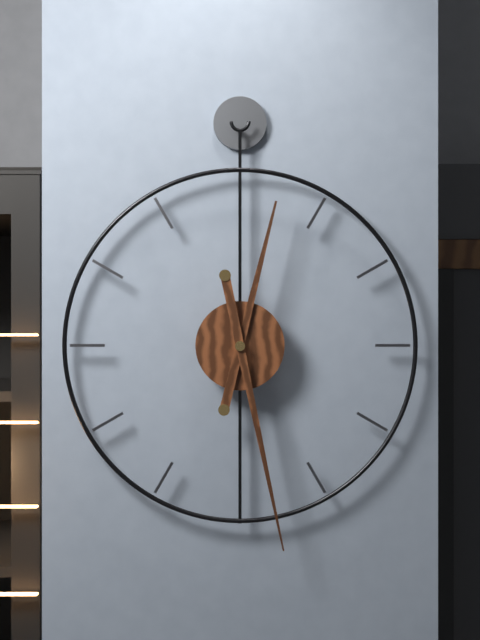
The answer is 12,28
